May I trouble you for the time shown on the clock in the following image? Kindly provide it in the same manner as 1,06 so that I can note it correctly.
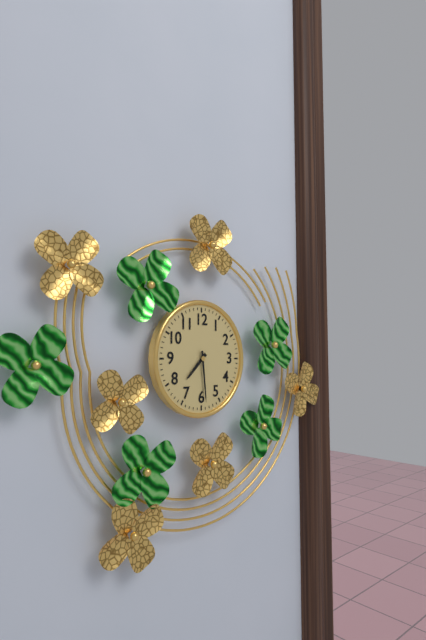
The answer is 7,29
